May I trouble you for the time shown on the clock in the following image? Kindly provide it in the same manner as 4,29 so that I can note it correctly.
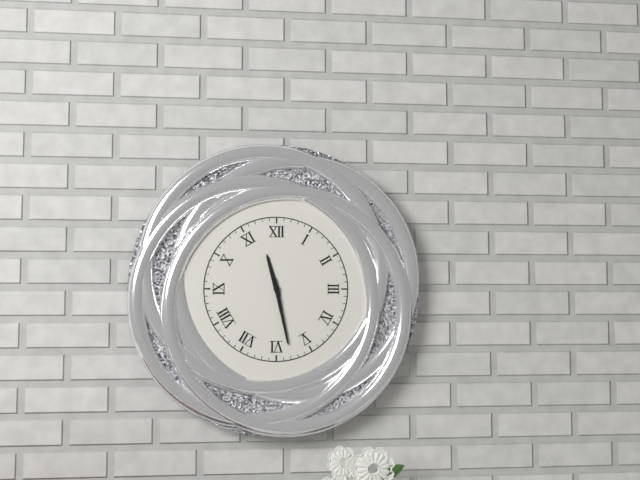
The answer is 11,28
